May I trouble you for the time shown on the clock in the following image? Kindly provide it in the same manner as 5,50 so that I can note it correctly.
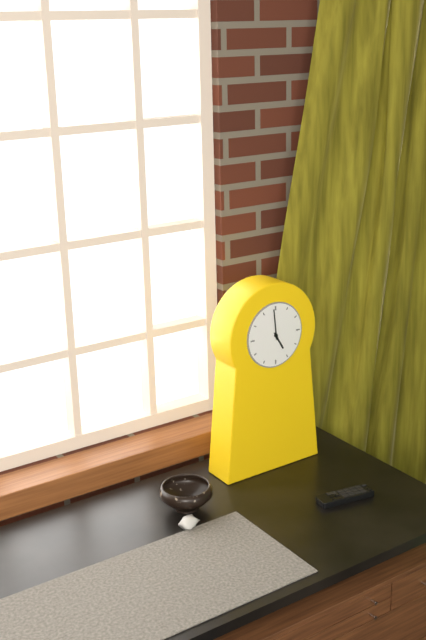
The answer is 4,59
